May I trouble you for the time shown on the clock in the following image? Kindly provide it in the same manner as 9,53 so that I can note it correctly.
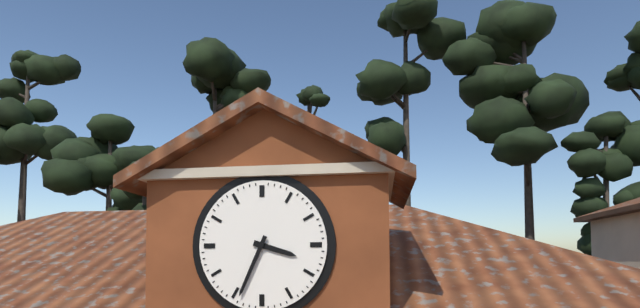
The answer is 3,34
